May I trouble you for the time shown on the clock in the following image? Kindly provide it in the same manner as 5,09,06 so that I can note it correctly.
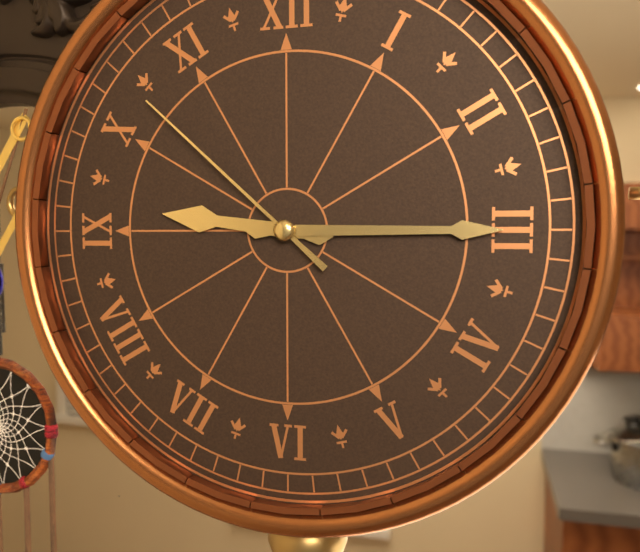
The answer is 9,15,52
